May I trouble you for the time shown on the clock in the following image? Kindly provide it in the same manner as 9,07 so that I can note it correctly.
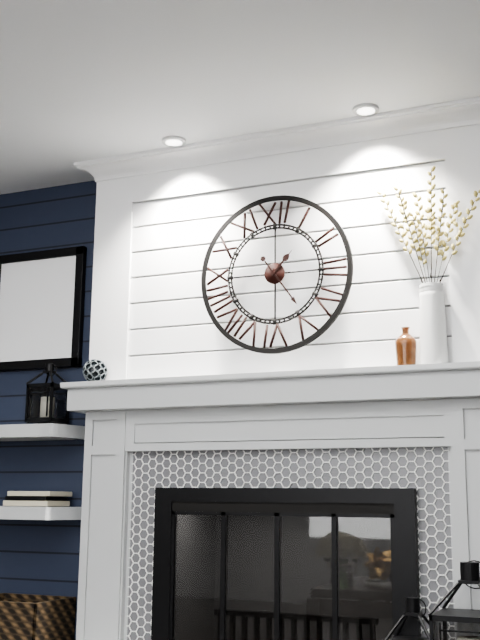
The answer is 1,24
